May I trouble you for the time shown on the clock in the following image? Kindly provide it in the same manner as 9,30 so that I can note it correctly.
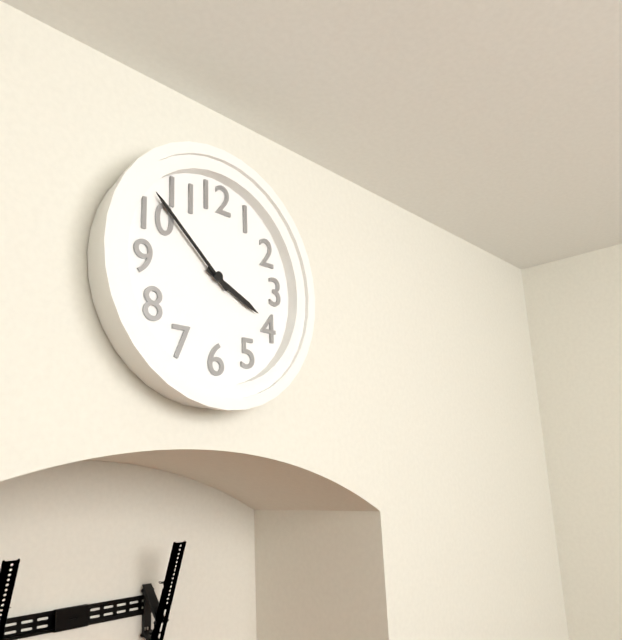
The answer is 3,52
